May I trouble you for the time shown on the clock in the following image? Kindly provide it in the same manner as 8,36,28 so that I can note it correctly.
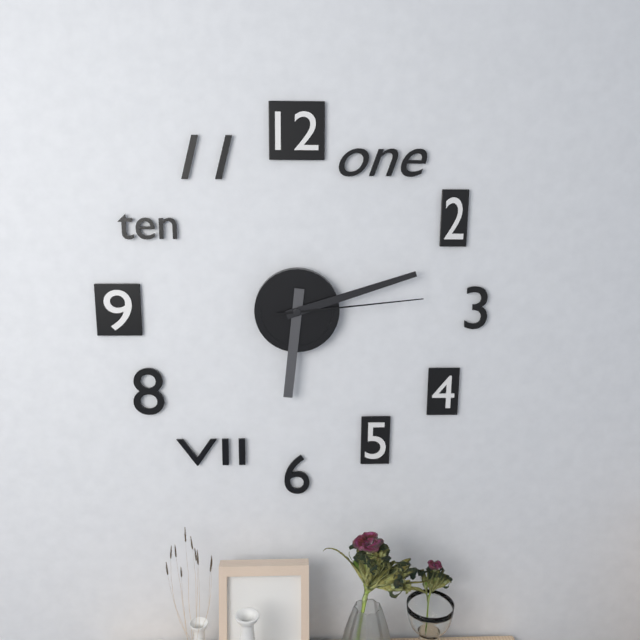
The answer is 6,12,14
